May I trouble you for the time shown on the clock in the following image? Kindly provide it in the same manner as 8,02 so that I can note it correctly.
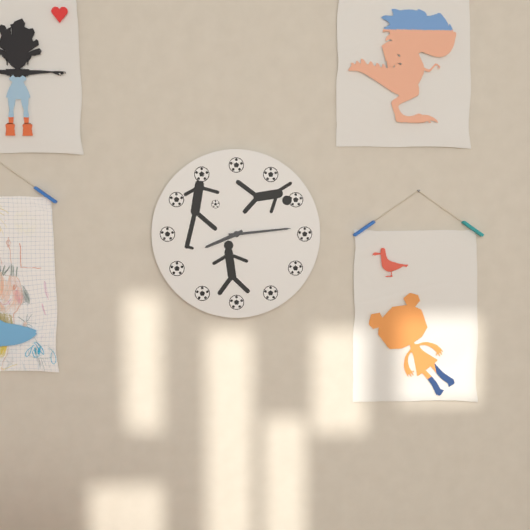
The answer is 8,14
